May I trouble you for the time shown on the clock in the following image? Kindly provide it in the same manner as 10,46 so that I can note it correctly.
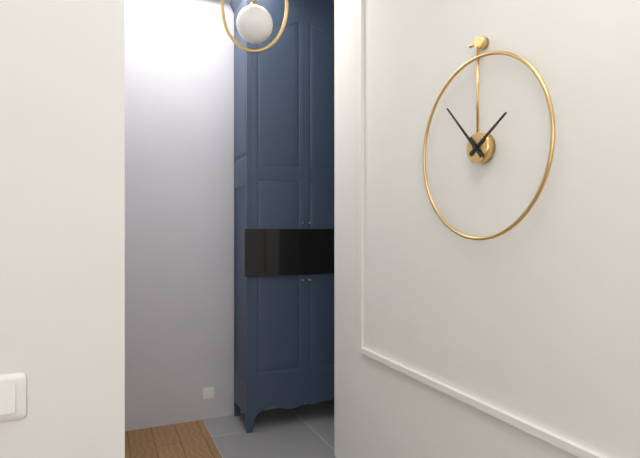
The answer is 1,53
